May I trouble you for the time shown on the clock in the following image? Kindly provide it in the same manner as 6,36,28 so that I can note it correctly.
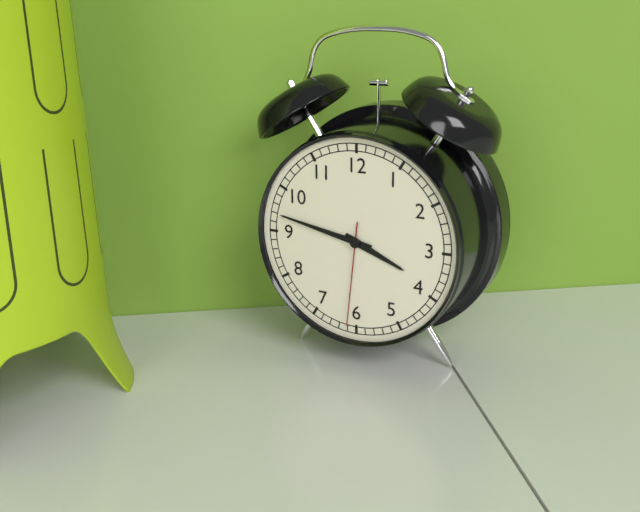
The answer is 3,47,31
